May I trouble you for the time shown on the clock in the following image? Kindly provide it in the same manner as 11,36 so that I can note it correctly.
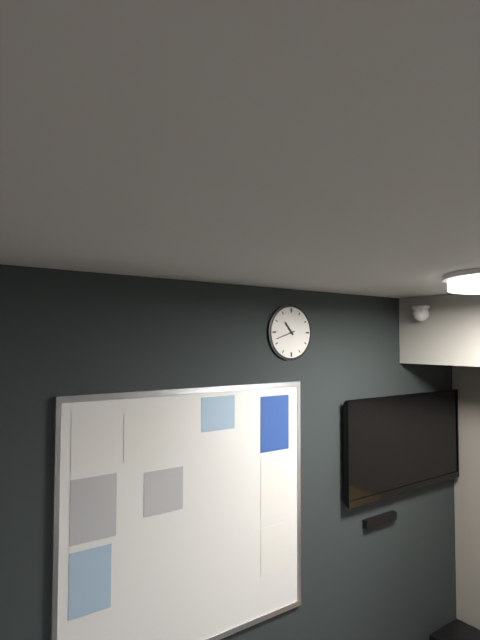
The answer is 10,42
